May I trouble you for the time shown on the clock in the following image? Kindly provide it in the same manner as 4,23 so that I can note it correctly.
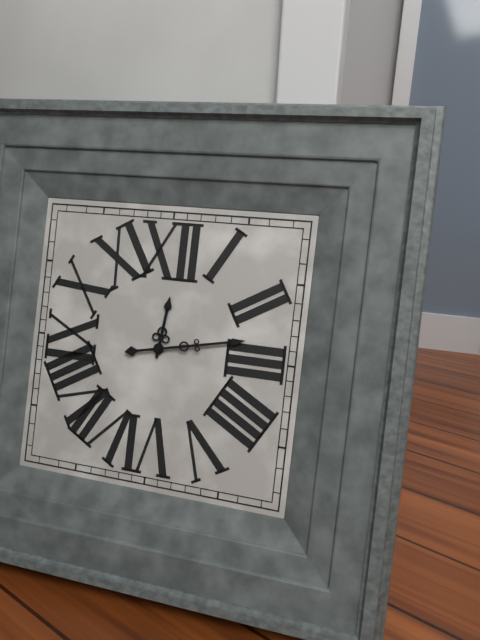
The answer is 12,13
